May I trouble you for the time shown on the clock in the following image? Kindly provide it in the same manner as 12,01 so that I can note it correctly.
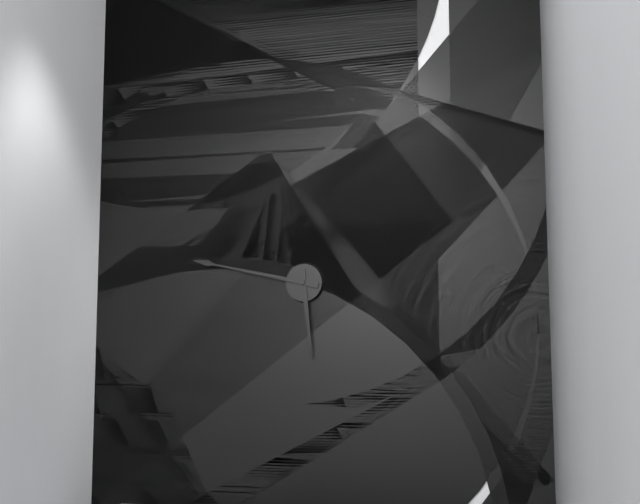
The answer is 5,47
